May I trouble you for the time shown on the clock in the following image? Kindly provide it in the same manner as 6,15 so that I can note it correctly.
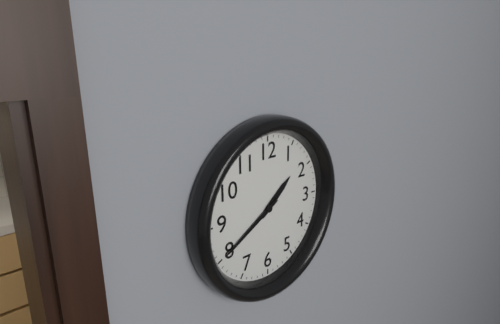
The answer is 1,40
